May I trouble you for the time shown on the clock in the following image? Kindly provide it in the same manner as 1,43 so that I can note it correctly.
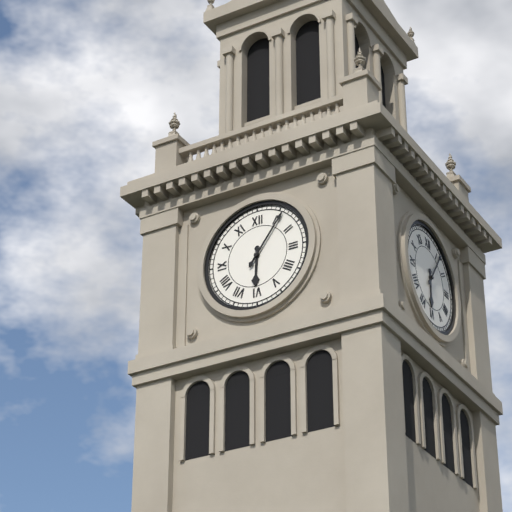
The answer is 6,06
